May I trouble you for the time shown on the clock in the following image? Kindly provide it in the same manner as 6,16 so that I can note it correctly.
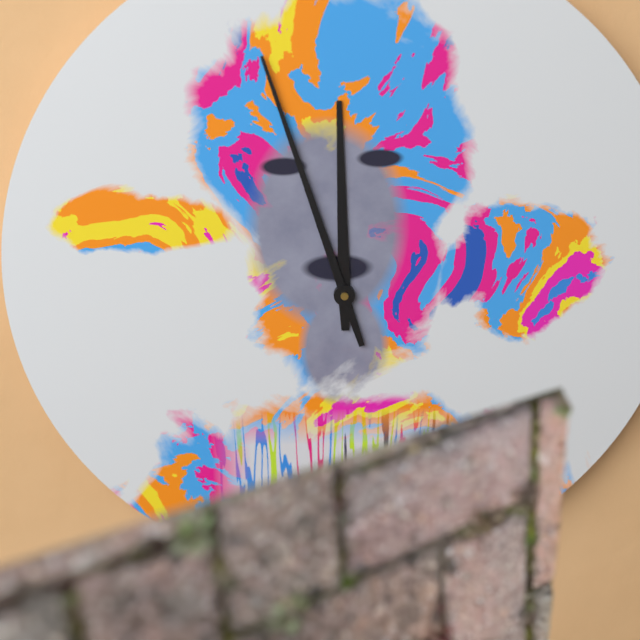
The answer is 11,57
